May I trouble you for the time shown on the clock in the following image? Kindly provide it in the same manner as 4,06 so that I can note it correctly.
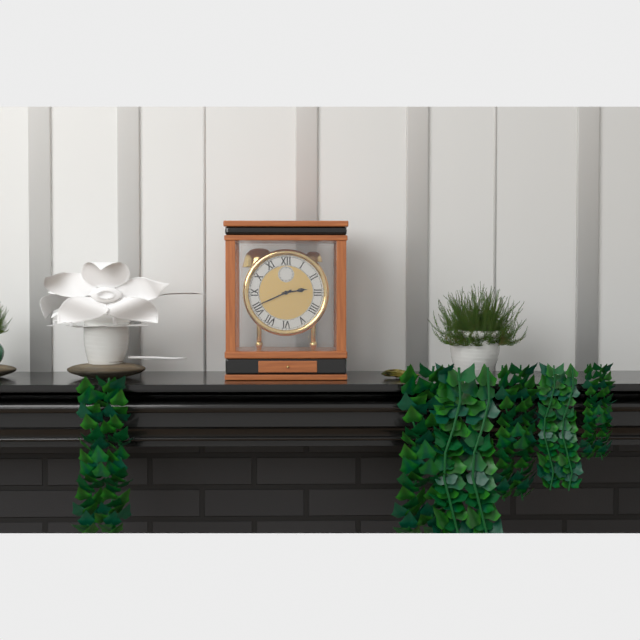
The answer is 2,41
